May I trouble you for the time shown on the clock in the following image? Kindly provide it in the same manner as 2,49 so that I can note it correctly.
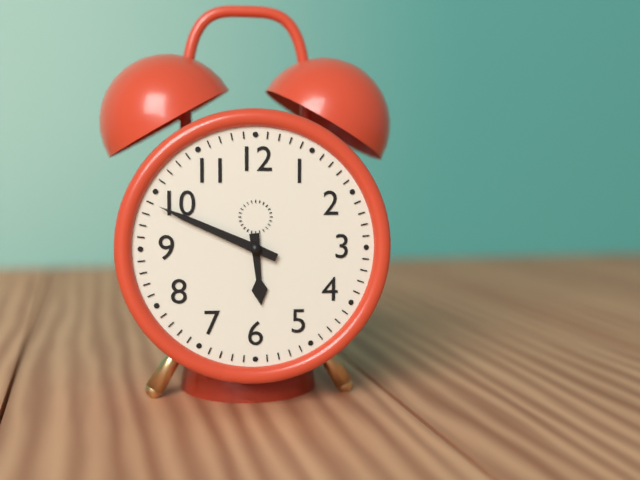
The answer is 5,49
